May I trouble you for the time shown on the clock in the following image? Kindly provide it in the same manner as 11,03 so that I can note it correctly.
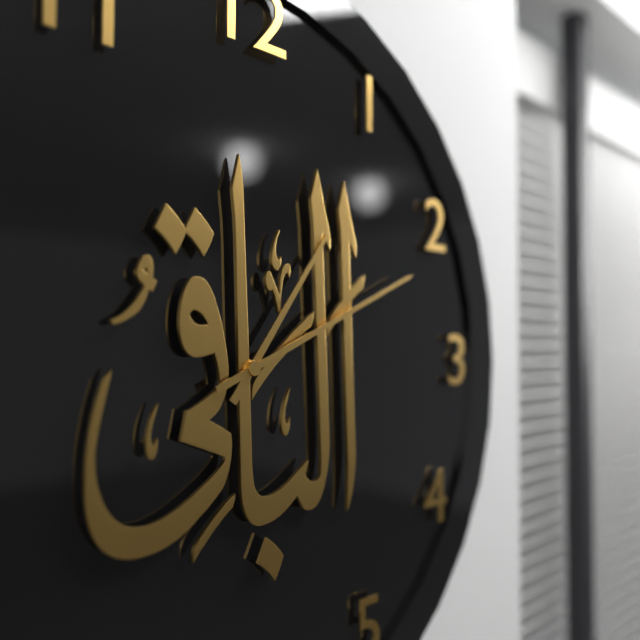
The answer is 1,11
